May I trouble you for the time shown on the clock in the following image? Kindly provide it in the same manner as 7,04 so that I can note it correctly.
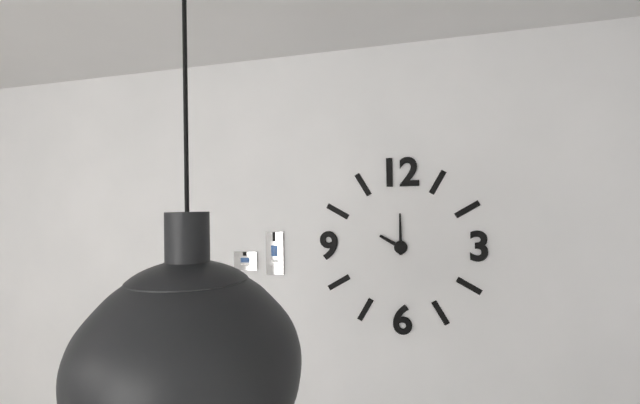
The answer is 10,00
